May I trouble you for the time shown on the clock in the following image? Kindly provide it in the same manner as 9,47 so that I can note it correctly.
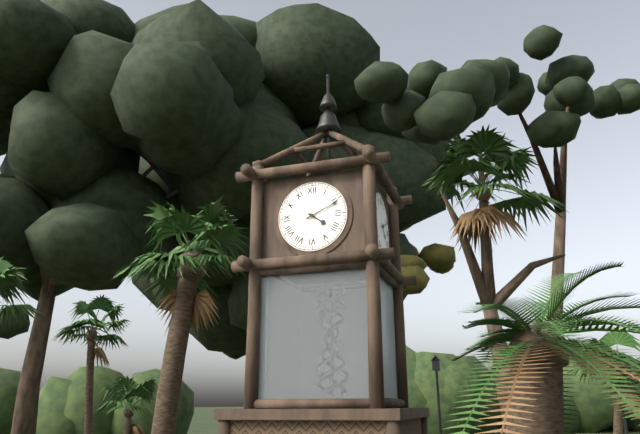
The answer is 4,11
